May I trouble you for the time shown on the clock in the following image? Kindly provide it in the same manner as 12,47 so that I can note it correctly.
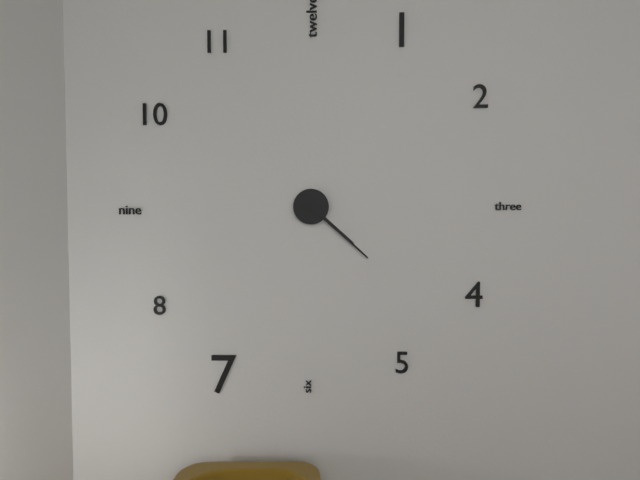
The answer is 4,22
